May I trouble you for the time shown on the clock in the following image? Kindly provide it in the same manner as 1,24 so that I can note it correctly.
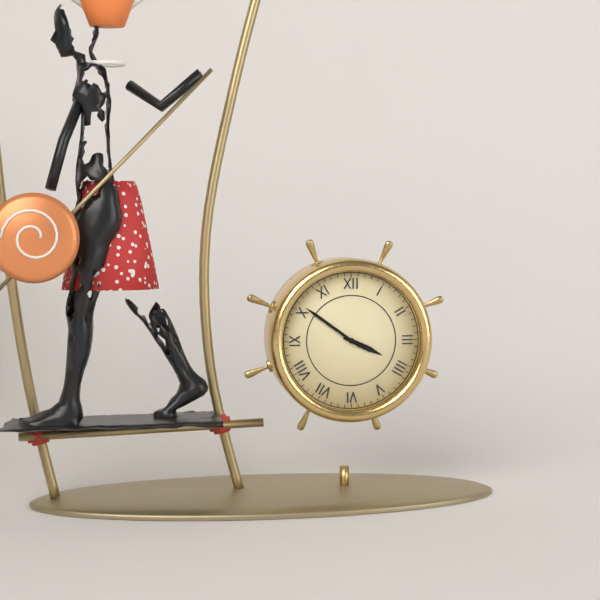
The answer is 3,51
